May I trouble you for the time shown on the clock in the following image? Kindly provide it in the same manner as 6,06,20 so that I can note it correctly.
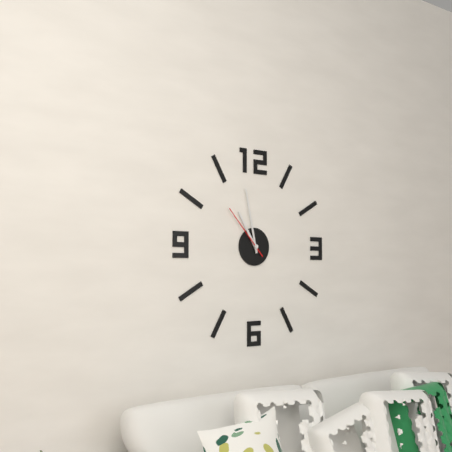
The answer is 10,58,53
